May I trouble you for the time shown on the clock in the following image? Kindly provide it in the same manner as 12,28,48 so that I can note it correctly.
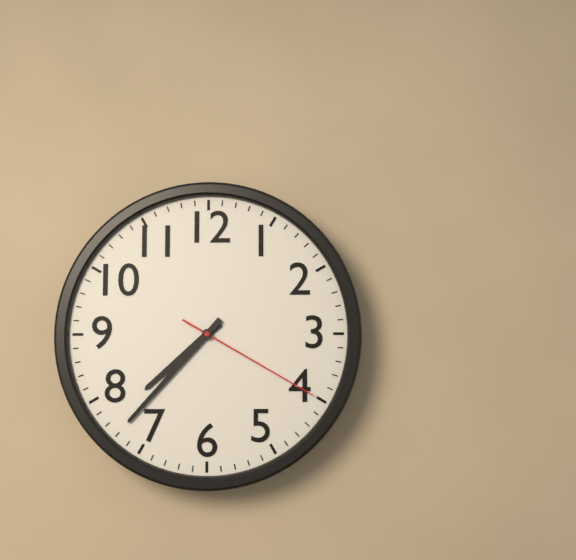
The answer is 7,37,20
